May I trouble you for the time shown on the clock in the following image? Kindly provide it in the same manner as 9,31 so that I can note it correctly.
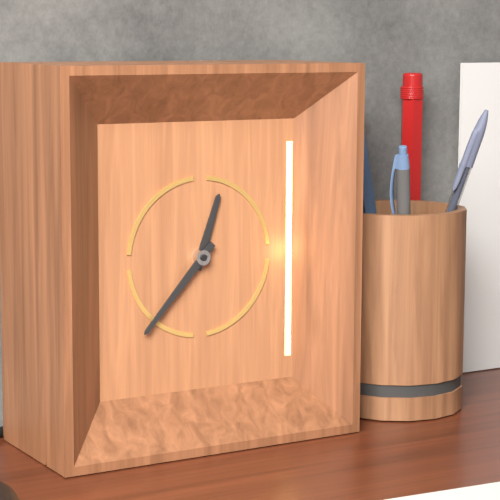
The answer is 12,37
